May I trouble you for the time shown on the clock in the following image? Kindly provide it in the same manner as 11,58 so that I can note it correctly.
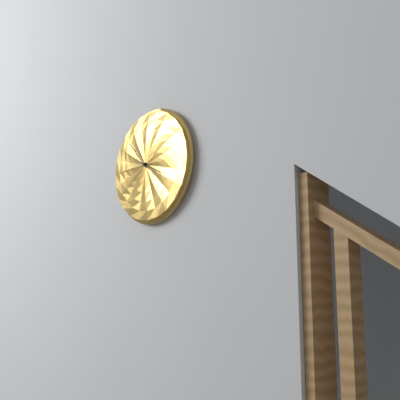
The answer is 3,53
